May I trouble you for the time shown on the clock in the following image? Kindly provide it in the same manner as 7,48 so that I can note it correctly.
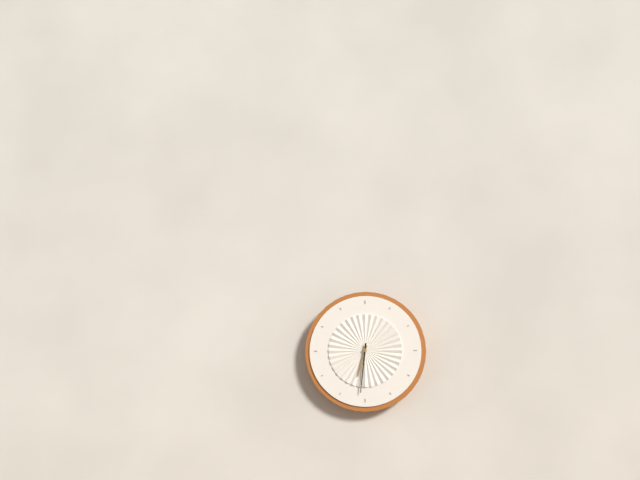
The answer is 6,31
